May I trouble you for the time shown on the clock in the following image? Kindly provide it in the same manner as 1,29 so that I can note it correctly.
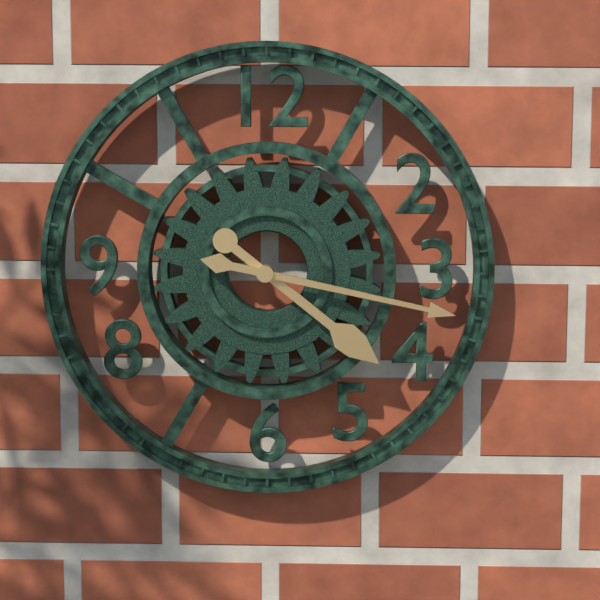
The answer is 4,17
